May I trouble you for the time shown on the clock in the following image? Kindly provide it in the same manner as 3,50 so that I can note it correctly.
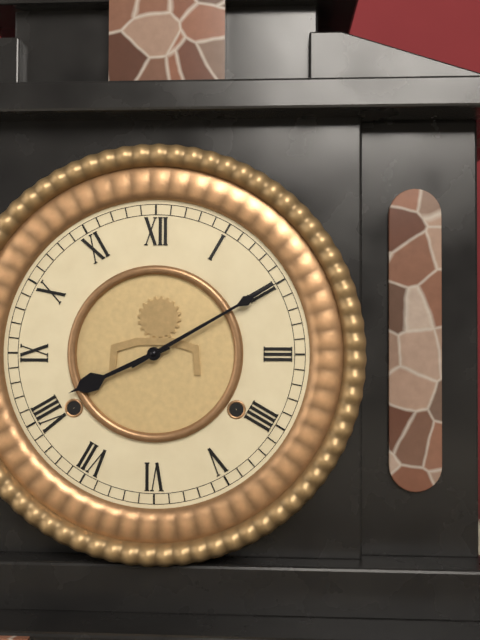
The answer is 8,10
